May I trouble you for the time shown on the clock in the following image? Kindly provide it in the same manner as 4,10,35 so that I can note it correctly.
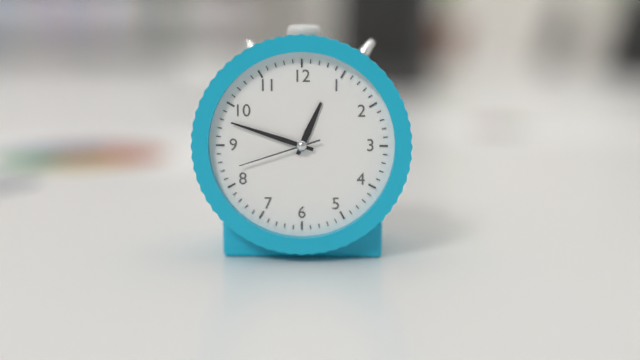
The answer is 12,48,42
